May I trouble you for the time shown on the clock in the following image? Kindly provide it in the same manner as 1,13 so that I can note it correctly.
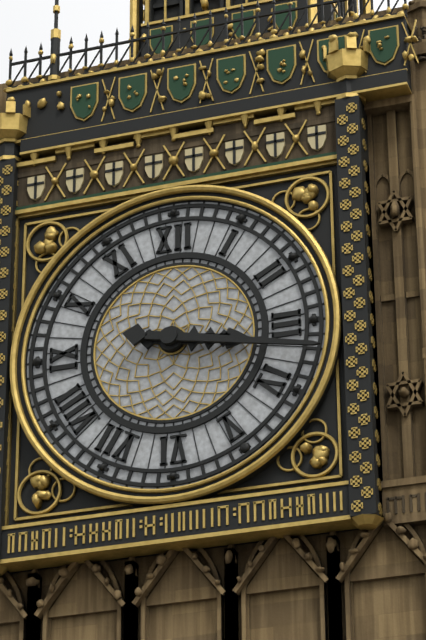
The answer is 3,17
